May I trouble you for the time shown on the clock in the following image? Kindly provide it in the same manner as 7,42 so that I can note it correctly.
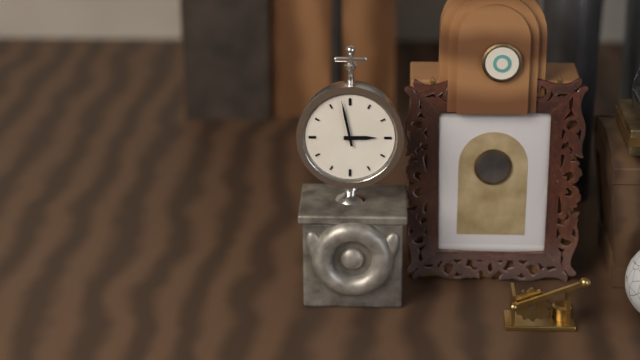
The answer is 2,58
